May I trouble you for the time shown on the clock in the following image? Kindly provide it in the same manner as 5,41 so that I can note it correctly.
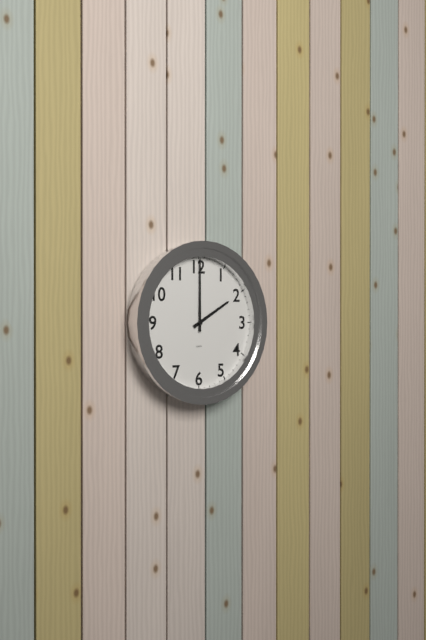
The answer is 2,00
